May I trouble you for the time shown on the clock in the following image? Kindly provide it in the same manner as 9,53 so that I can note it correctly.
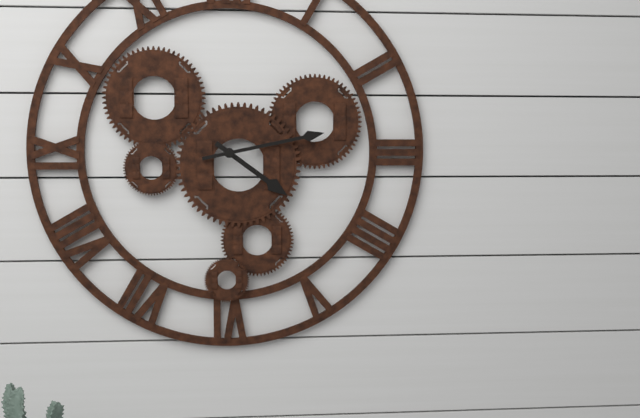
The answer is 4,13
